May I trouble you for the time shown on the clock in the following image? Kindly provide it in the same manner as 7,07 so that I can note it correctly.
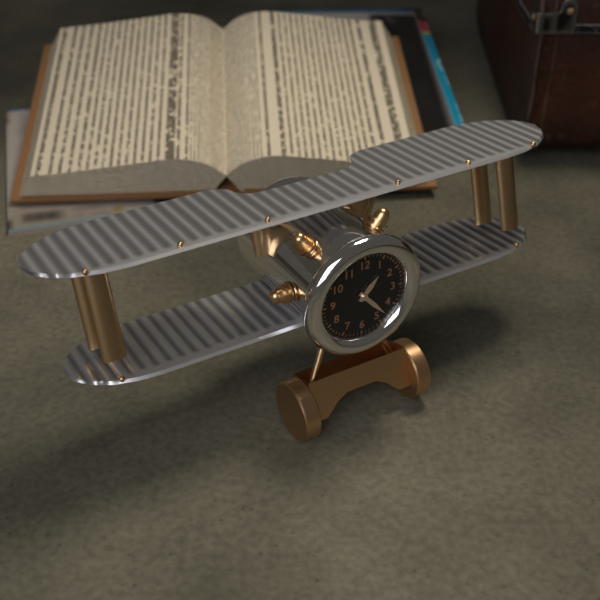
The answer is 1,23
